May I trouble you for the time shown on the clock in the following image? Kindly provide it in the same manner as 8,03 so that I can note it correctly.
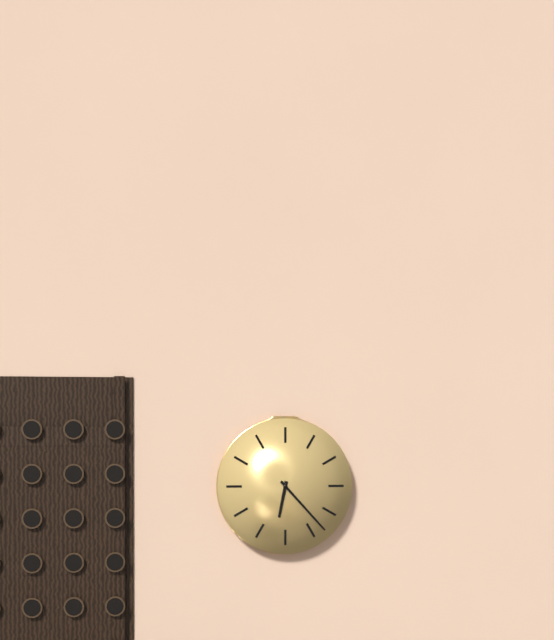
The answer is 6,23
